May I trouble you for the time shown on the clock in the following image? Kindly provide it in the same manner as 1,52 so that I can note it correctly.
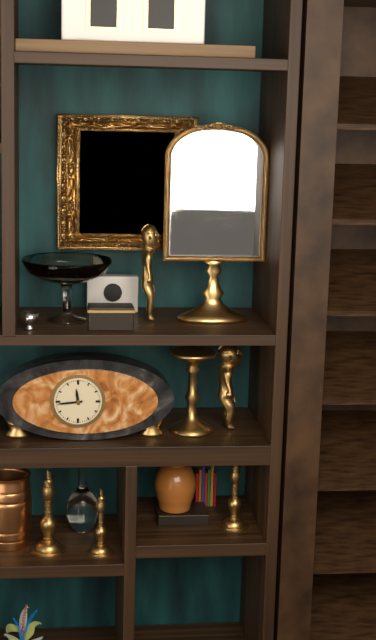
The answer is 11,44
